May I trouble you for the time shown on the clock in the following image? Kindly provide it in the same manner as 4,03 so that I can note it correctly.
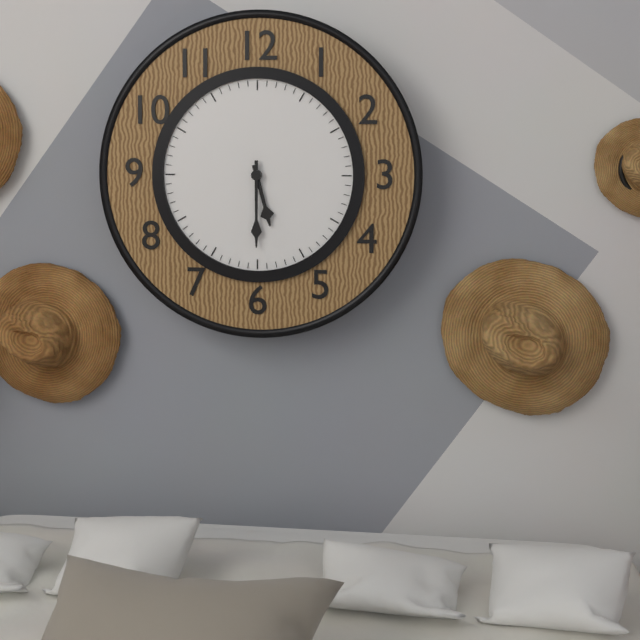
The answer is 5,30
